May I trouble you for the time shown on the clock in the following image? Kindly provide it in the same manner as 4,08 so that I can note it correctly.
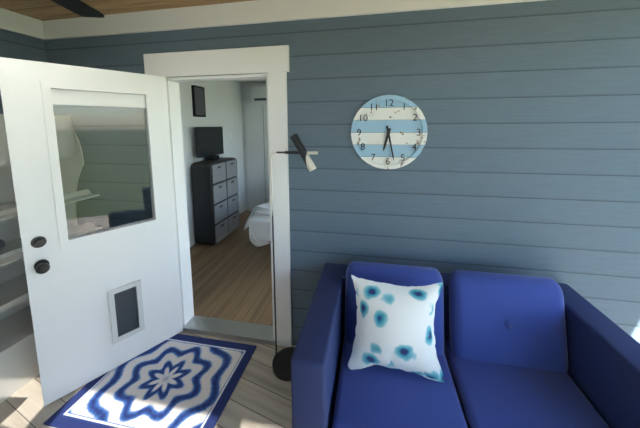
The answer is 6,28
